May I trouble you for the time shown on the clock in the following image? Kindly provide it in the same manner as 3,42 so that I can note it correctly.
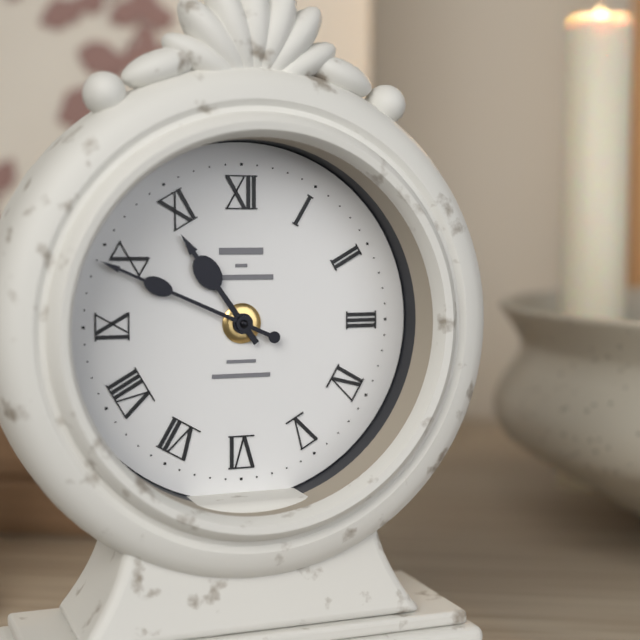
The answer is 10,49
